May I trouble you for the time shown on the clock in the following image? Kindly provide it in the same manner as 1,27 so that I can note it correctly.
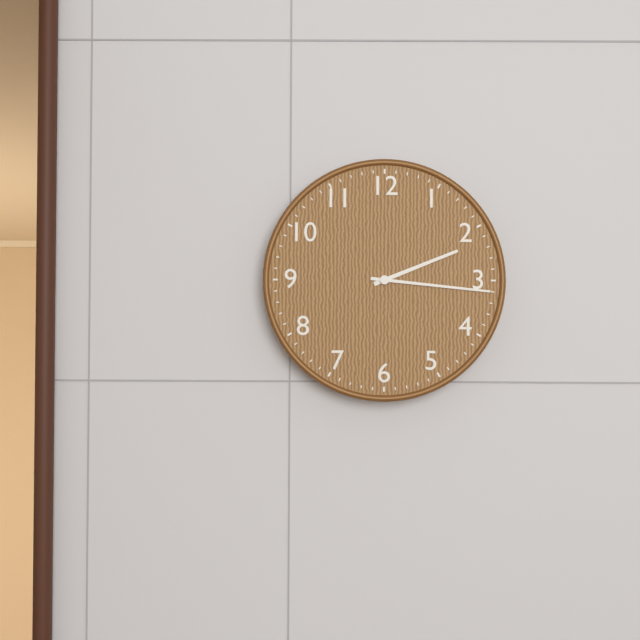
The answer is 2,16
